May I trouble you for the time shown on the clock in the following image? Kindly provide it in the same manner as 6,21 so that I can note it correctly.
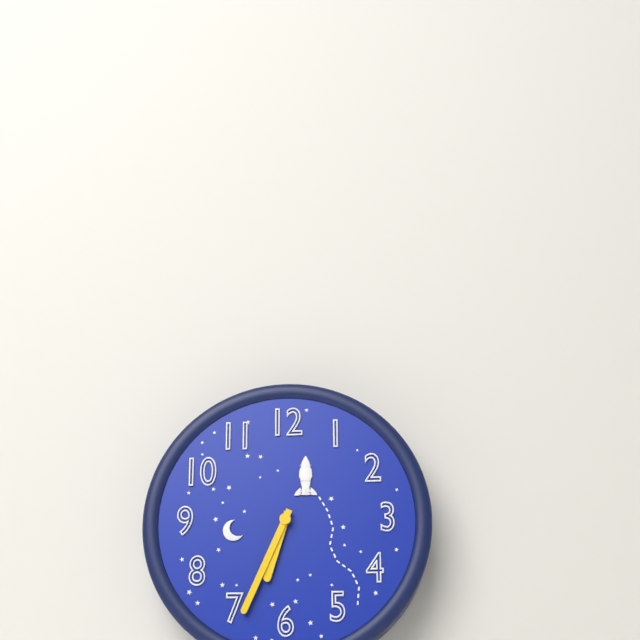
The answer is 6,34
